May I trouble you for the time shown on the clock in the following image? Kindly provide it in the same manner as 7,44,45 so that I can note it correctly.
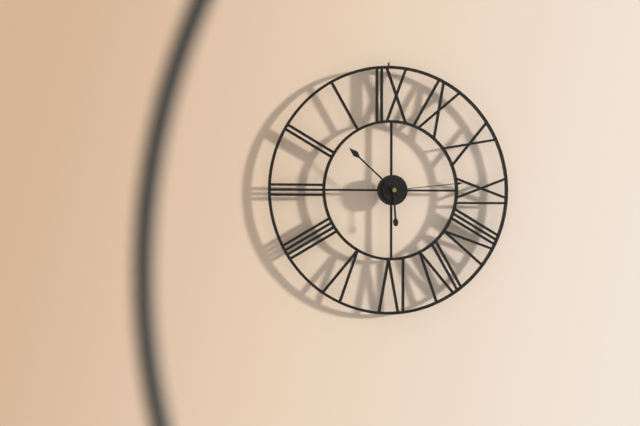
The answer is 5,52,14
